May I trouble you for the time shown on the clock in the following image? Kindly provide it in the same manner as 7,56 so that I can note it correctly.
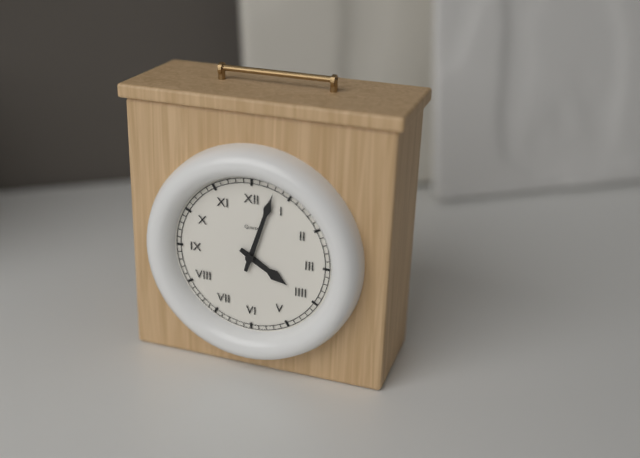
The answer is 4,03
